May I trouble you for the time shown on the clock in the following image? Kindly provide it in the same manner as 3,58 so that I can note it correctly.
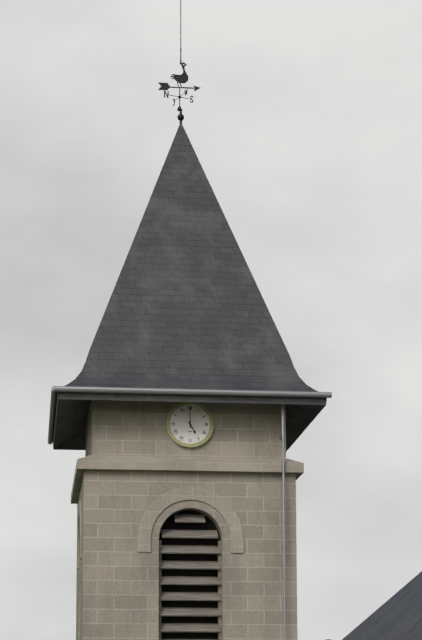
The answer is 5,00
